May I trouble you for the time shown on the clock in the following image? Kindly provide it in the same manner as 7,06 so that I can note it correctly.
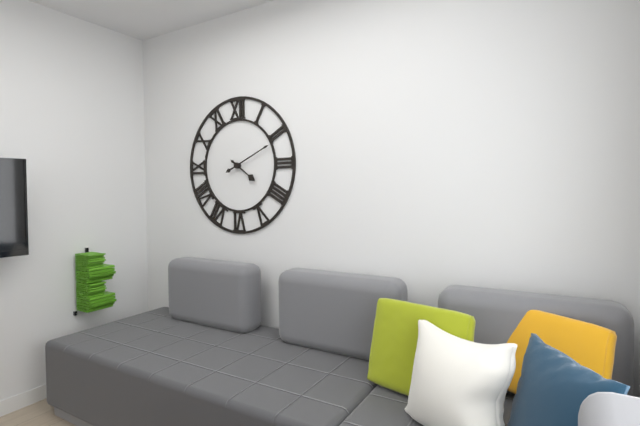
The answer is 4,11
